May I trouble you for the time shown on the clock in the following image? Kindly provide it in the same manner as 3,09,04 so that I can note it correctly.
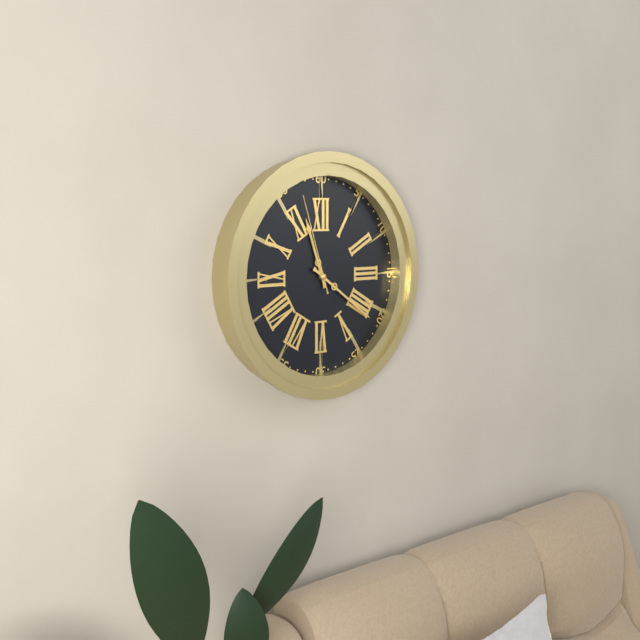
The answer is 11,21,57
